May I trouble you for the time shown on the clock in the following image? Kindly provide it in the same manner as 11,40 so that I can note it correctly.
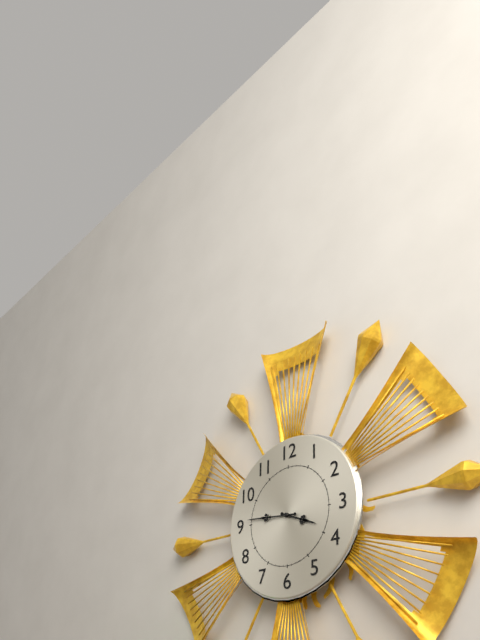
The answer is 3,46
